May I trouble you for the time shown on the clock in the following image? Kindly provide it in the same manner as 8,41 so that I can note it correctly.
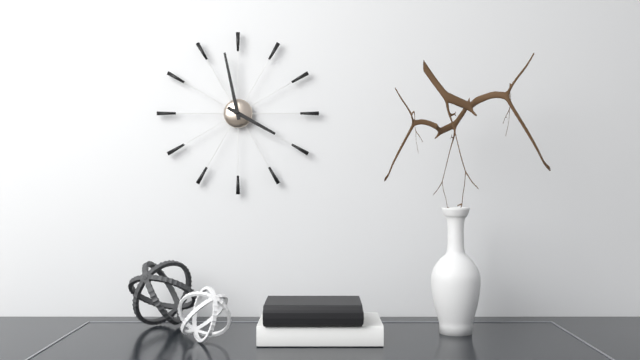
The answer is 3,58
